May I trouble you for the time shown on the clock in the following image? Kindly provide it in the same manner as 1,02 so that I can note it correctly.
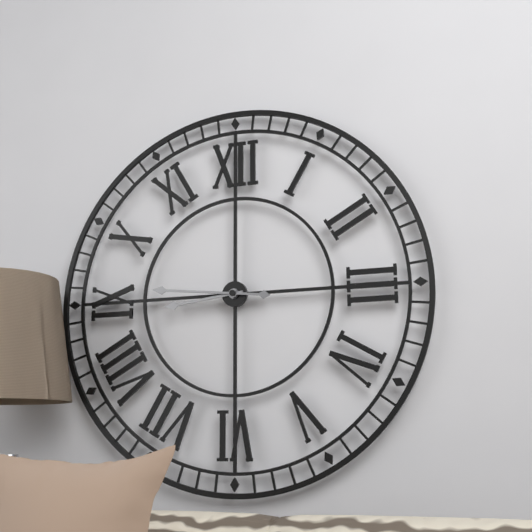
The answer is 8,46
